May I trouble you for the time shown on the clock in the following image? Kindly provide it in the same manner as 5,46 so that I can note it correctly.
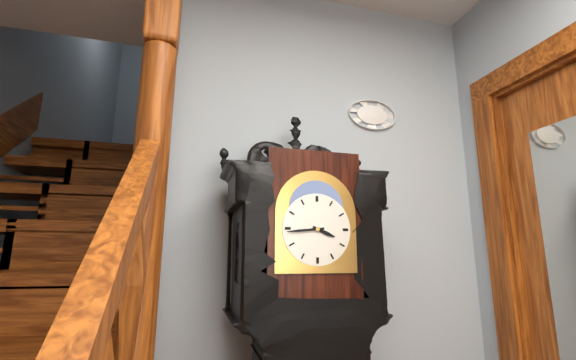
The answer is 3,44
